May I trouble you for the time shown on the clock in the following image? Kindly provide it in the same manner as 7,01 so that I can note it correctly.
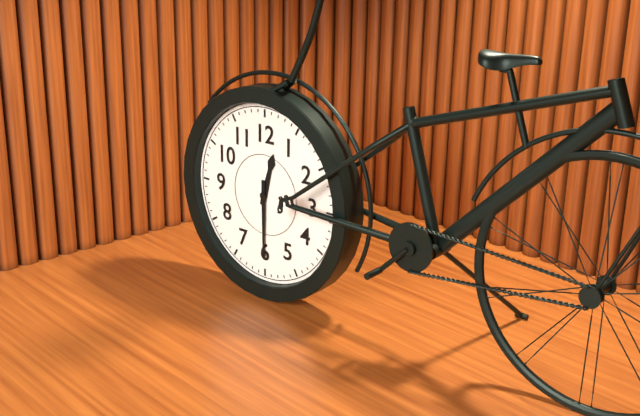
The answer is 12,30
